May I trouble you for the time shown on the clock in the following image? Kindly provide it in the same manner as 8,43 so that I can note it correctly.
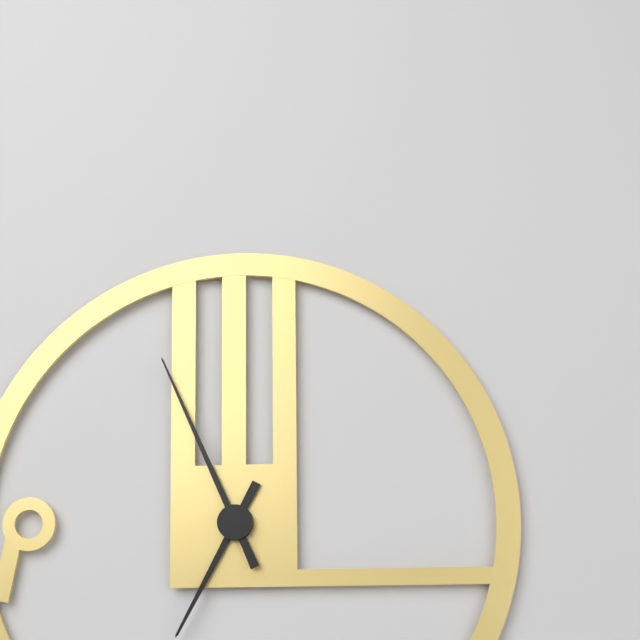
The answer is 6,56
